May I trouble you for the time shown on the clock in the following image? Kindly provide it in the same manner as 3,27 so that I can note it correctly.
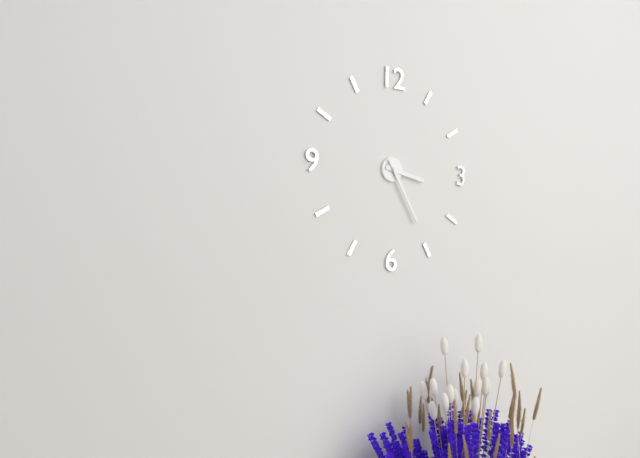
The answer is 3,25
